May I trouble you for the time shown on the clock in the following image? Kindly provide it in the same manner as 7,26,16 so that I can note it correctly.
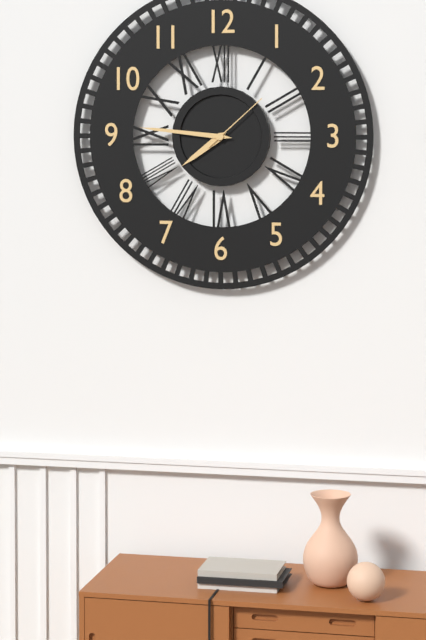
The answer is 7,46,08
